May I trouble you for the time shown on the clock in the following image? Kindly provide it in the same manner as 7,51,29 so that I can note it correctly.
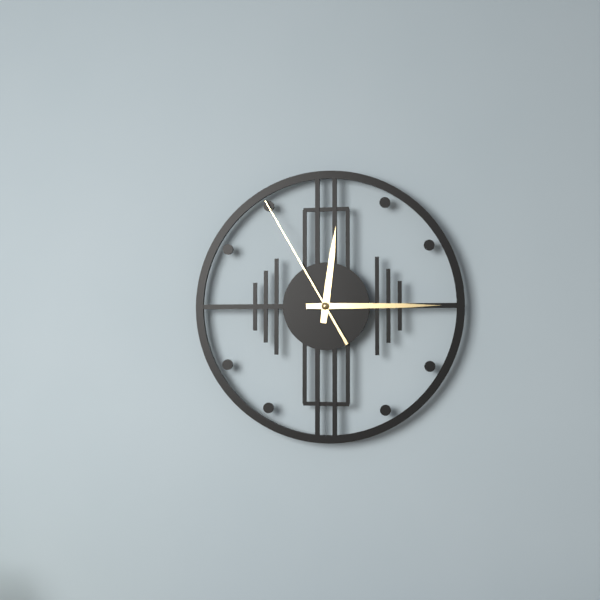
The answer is 12,15,55
